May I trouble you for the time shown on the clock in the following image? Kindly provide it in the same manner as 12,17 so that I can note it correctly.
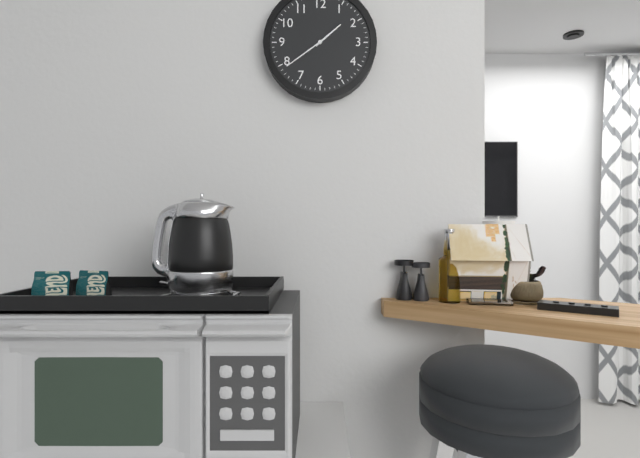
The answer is 1,39
